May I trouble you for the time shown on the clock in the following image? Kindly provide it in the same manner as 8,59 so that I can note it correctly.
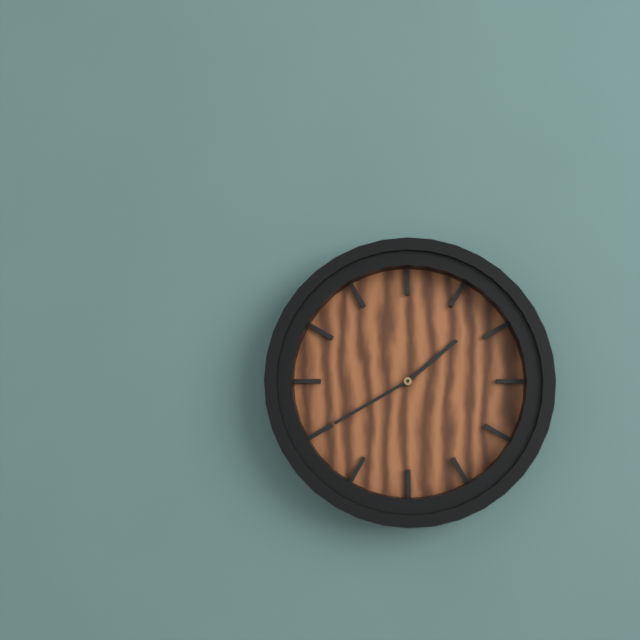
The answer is 1,40
